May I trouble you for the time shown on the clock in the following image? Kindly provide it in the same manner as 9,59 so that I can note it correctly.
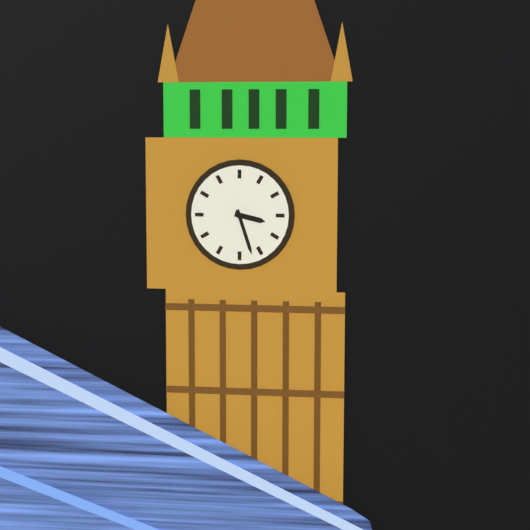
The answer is 3,27
